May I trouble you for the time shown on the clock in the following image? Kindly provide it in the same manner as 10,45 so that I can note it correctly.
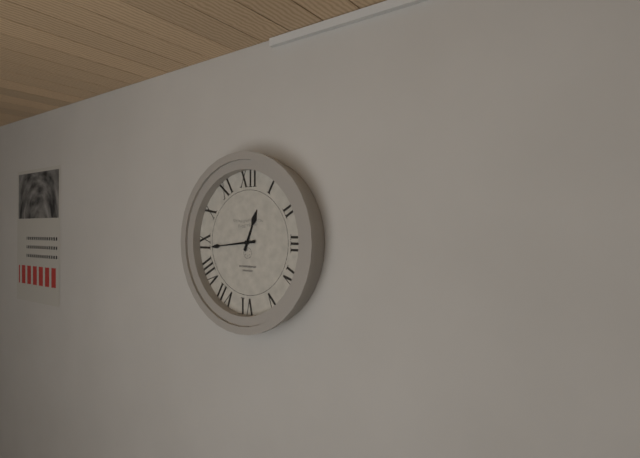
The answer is 12,44
